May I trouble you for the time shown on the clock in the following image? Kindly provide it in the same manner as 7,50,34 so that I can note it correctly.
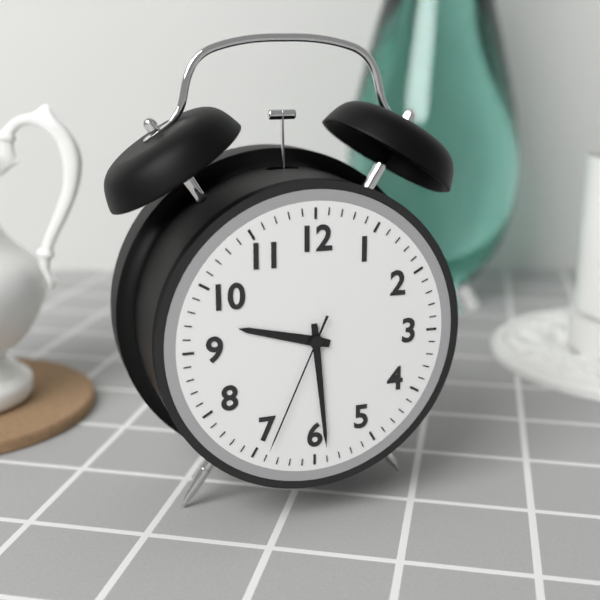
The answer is 9,29,34
